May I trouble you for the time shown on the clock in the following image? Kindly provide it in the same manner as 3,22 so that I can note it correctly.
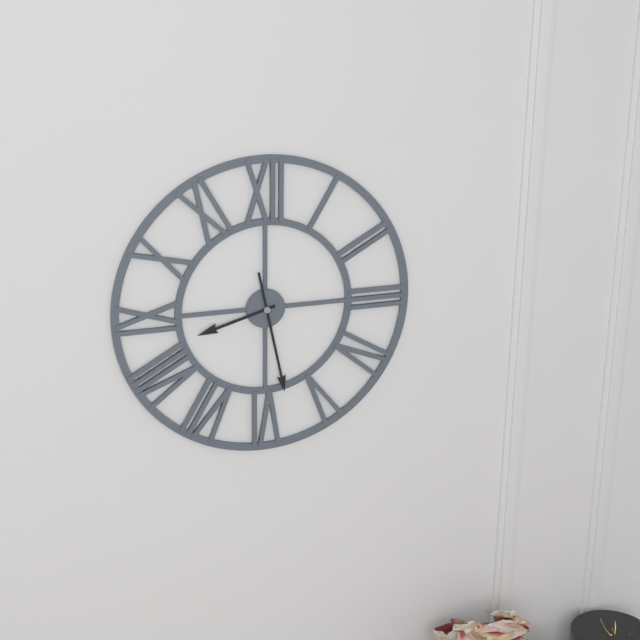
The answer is 8,28
